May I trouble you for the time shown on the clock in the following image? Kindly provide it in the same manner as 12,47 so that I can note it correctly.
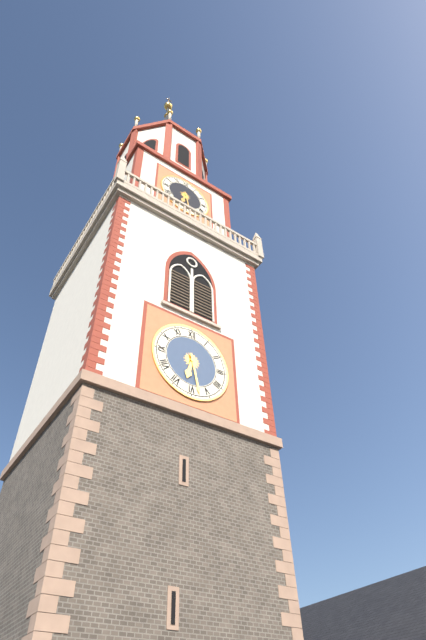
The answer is 6,28
